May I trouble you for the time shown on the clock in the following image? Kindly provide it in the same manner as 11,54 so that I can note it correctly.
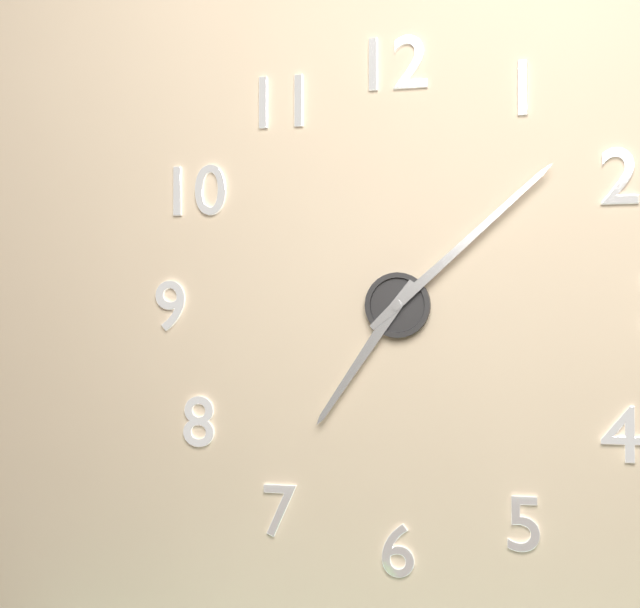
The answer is 7,08
